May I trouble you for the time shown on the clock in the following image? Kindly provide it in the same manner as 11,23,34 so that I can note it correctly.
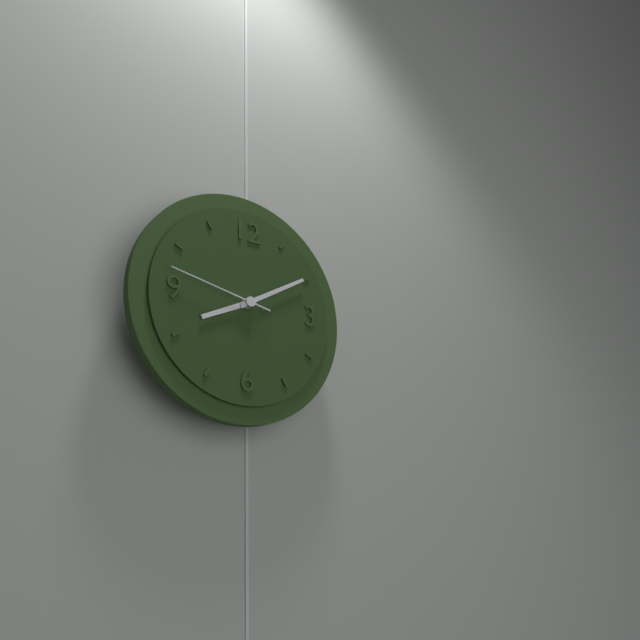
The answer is 8,10,47
